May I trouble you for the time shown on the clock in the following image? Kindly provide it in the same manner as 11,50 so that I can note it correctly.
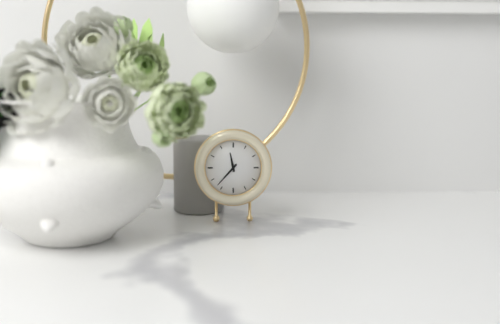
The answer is 11,37
